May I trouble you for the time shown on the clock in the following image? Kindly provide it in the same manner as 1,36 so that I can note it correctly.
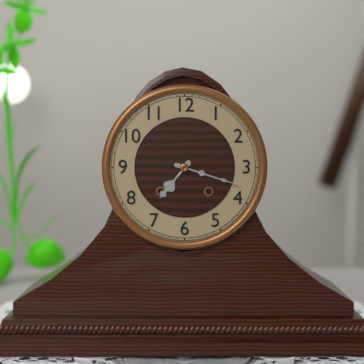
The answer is 7,18
